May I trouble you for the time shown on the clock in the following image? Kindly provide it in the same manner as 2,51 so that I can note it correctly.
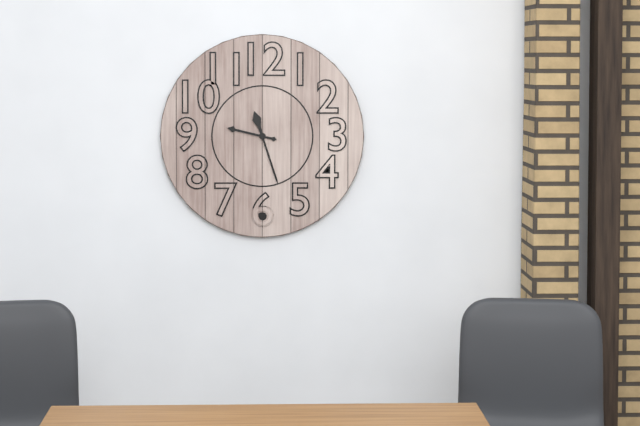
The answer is 9,27
